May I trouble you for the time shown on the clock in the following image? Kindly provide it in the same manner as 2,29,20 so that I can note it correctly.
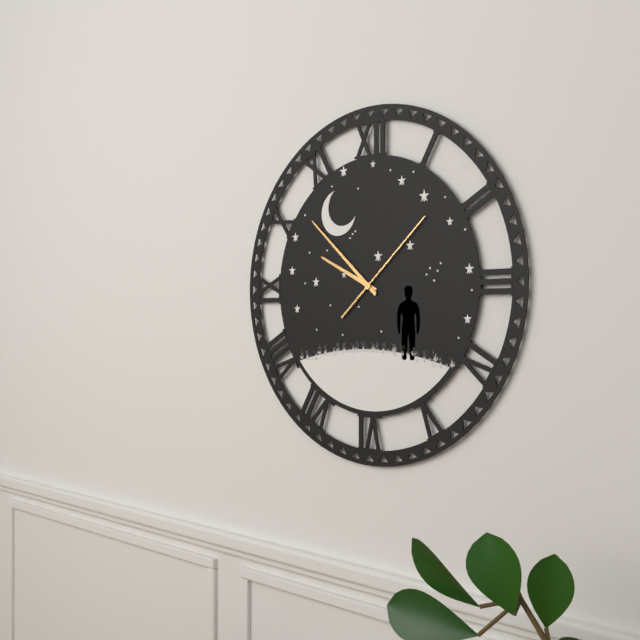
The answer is 9,52,08
